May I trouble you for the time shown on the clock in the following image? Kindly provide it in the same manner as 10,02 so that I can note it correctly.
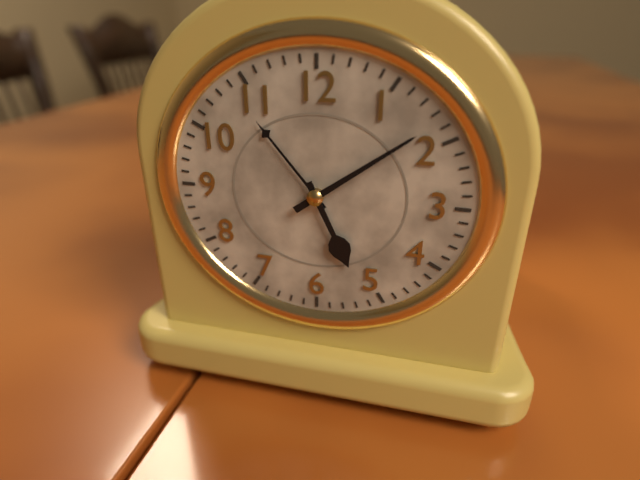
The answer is 5,09
